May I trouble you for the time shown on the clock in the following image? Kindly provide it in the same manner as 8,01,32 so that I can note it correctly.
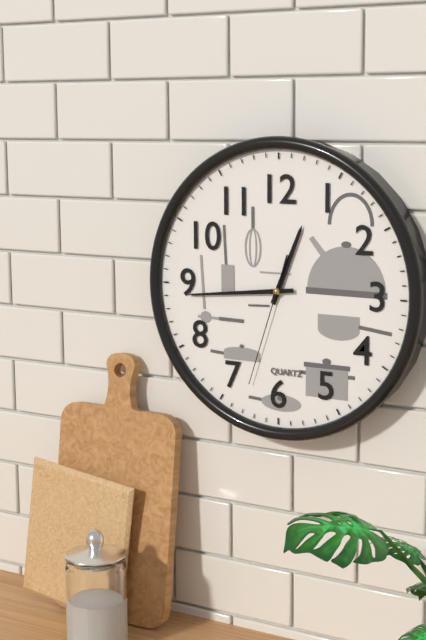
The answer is 12,44,33
